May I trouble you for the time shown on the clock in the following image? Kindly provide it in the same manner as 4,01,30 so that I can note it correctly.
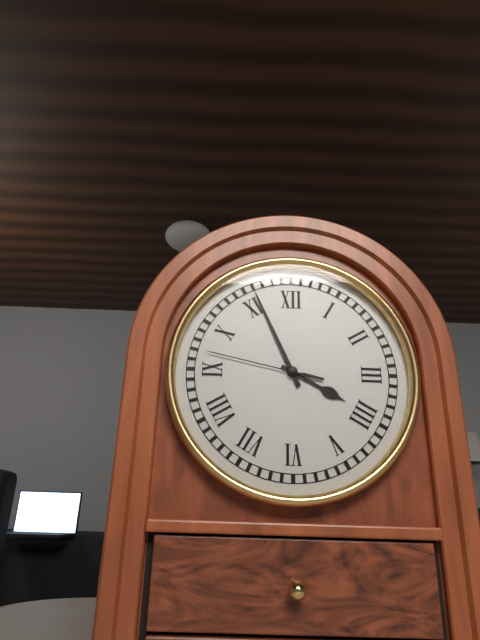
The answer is 3,56,47
